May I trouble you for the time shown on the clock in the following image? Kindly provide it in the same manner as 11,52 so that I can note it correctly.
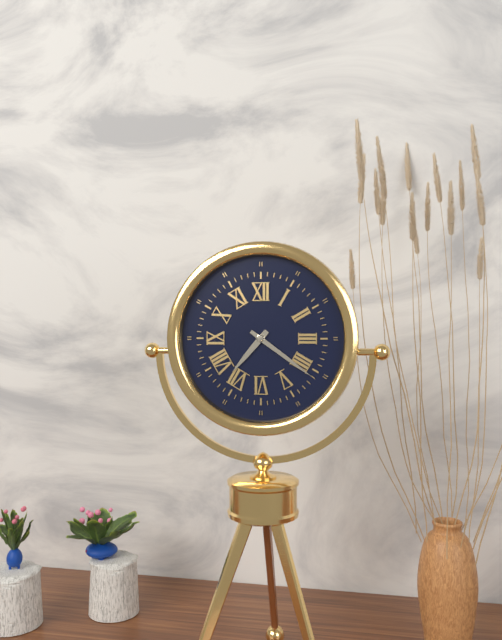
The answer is 7,21
